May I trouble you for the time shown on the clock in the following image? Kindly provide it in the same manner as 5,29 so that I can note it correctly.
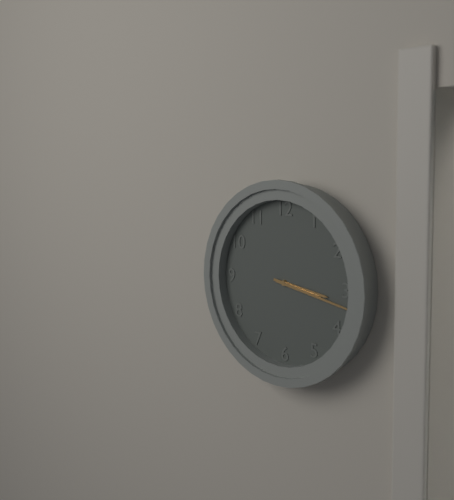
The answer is 3,17
